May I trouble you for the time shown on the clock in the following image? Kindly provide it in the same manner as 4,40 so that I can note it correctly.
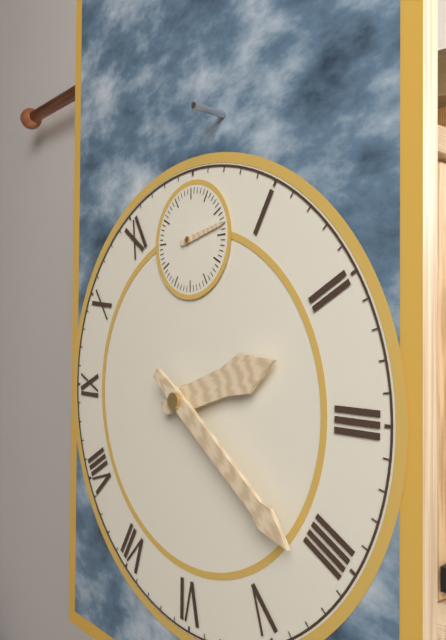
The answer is 2,21
